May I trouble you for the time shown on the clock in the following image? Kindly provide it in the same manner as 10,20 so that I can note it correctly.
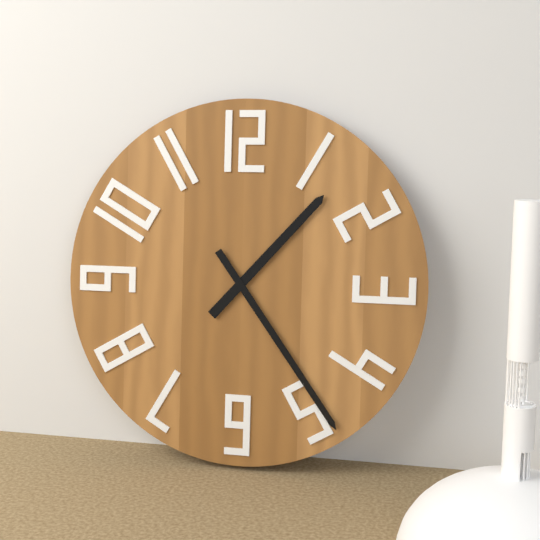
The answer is 1,24
